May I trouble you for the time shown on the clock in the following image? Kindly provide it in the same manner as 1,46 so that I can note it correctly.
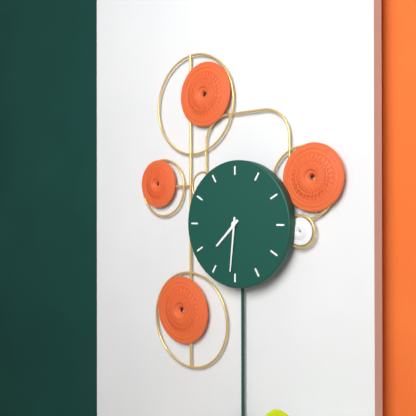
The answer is 7,31
